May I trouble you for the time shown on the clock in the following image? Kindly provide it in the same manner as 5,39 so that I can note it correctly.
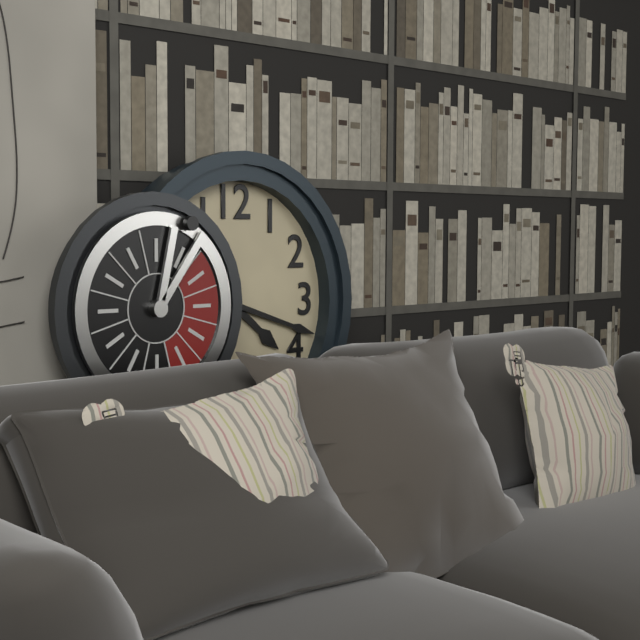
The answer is 4,18
